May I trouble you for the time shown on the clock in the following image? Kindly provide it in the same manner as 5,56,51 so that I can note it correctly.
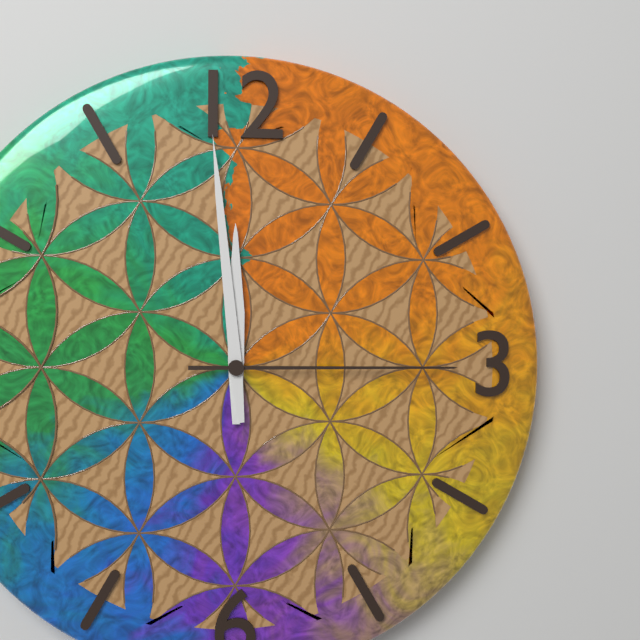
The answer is 11,59,15
